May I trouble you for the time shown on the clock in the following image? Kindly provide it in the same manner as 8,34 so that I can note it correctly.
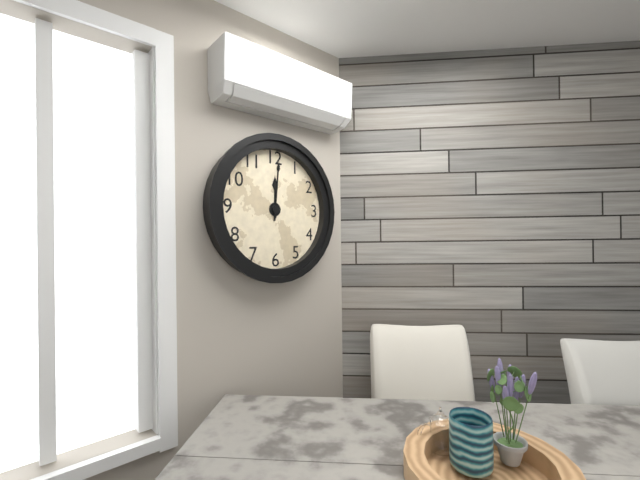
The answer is 12,01
